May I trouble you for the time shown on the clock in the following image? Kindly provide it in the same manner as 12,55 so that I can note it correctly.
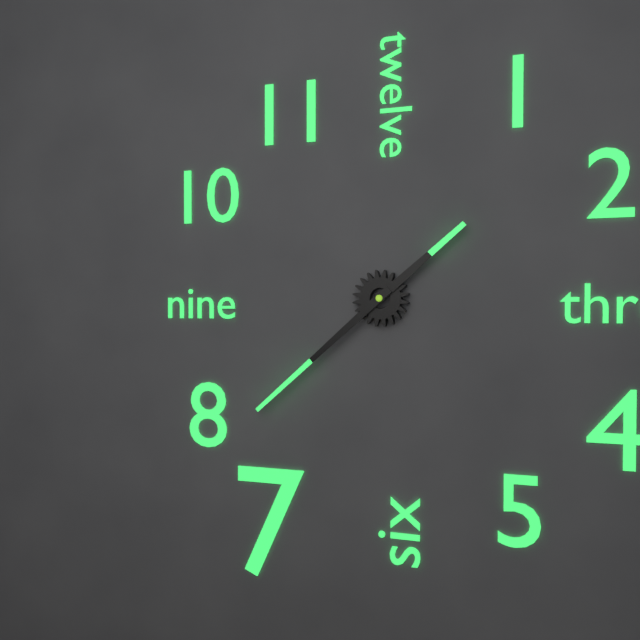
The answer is 1,38
